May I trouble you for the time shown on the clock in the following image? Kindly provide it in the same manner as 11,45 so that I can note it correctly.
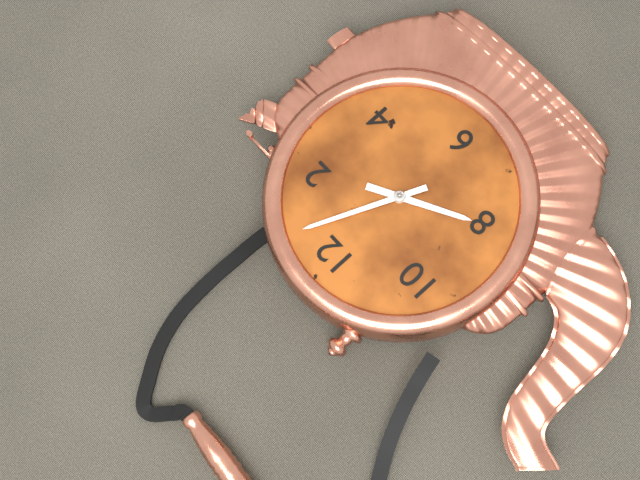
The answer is 8,04
